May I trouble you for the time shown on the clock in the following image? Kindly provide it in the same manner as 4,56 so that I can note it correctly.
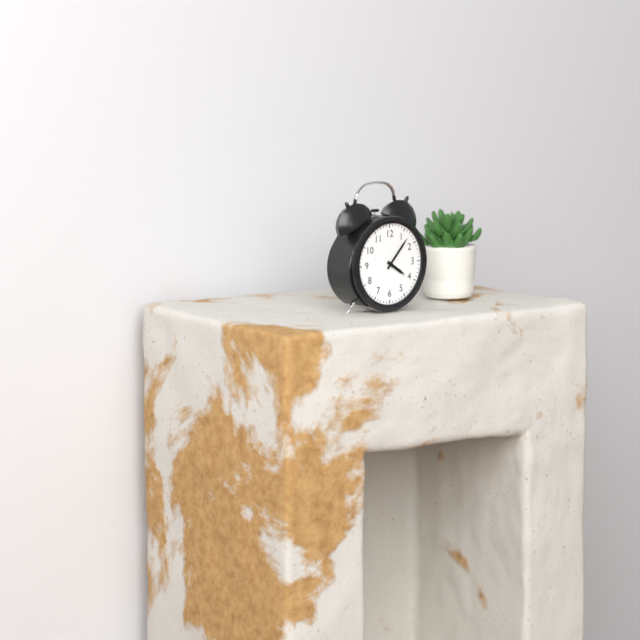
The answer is 4,07
